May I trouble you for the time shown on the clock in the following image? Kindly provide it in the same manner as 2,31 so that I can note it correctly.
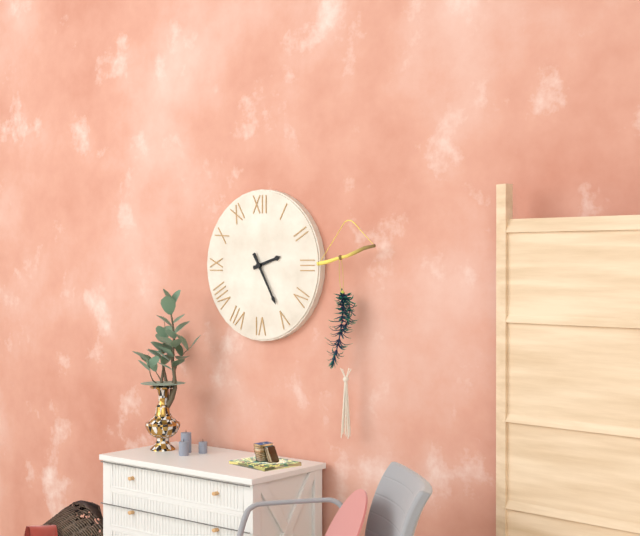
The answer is 2,25
